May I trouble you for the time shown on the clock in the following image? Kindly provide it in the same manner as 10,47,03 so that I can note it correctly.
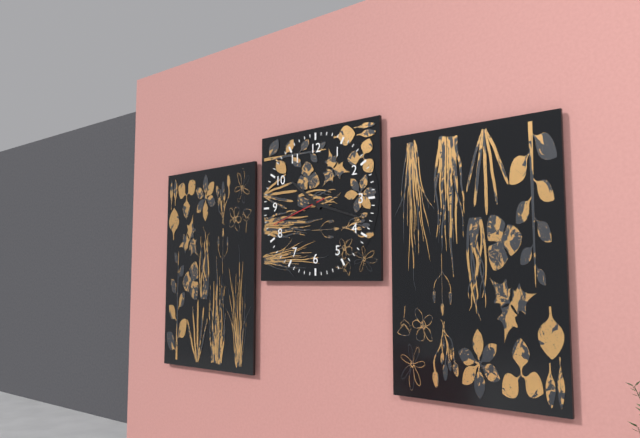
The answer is 10,18,42
